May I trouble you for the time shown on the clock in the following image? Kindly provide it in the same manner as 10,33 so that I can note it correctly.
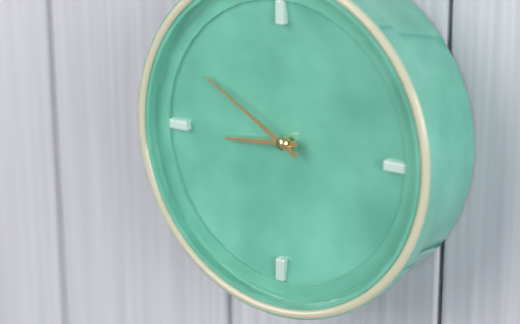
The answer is 8,50
